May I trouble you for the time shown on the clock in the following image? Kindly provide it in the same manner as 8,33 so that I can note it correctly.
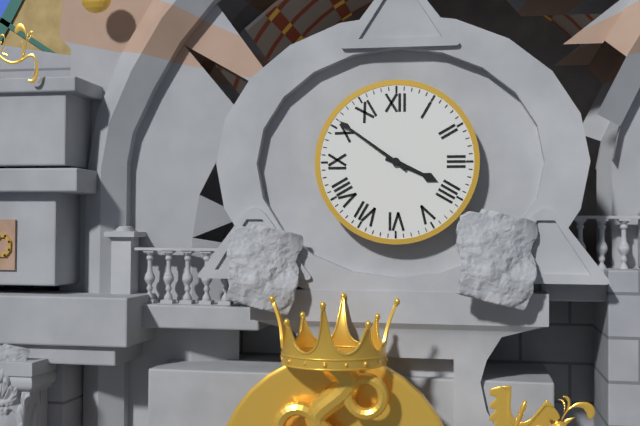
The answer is 3,51
